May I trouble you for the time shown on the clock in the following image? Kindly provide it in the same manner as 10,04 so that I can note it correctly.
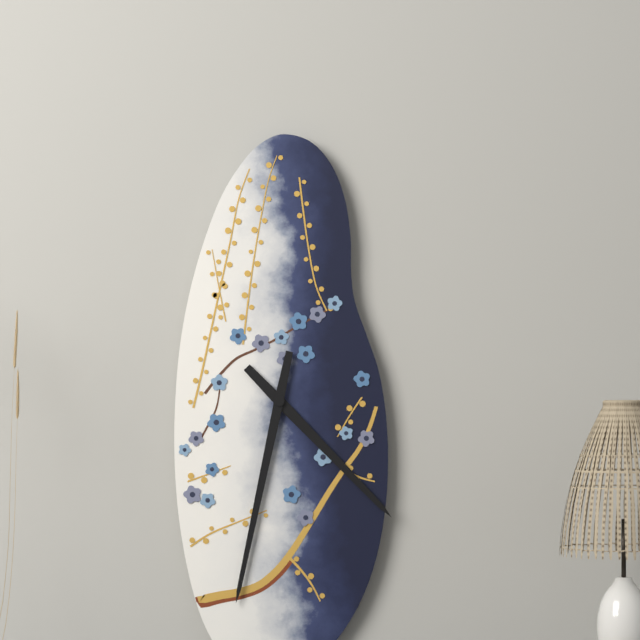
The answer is 4,32
